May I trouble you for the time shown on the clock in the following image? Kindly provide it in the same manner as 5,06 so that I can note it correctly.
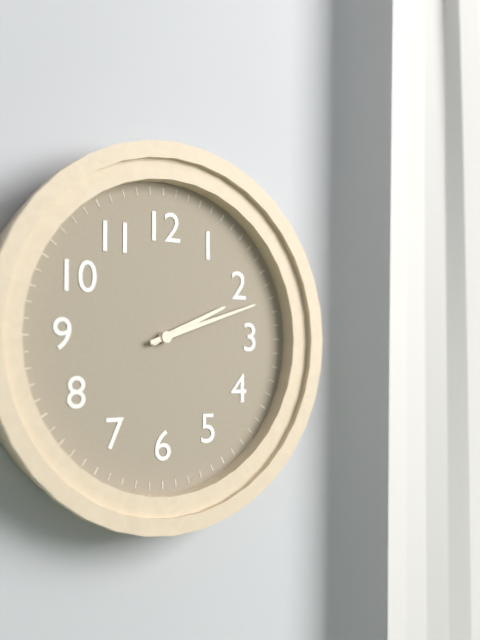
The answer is 2,12
